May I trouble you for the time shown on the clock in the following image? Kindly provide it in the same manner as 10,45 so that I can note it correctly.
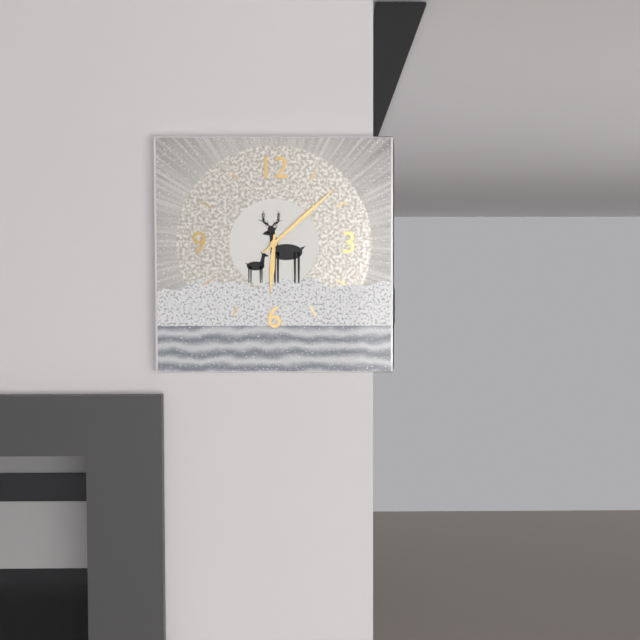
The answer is 6,08
